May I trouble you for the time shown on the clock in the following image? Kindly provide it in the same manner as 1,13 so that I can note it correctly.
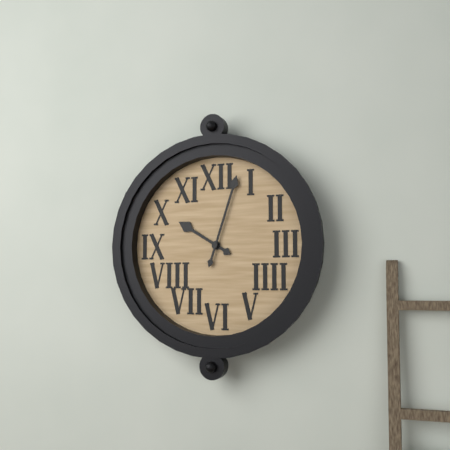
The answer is 10,03
